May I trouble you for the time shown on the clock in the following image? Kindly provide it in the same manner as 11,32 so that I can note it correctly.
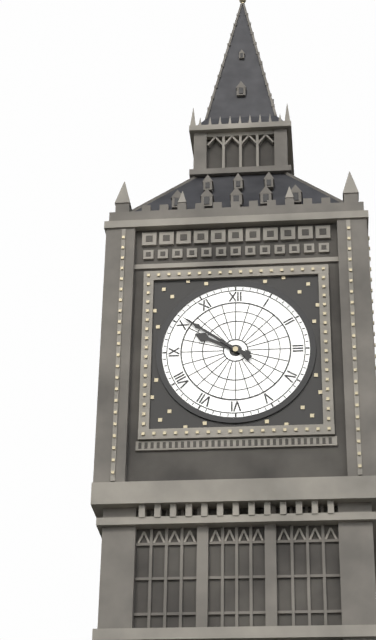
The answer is 9,51
